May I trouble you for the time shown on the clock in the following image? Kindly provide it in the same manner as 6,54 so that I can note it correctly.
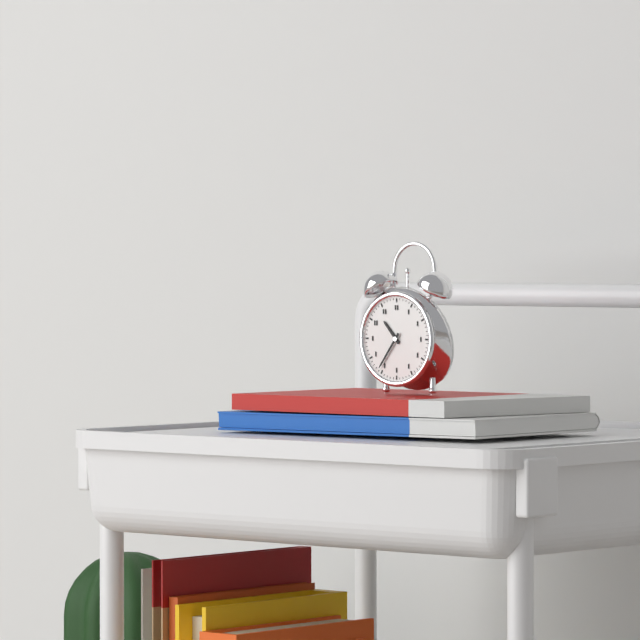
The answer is 10,36
